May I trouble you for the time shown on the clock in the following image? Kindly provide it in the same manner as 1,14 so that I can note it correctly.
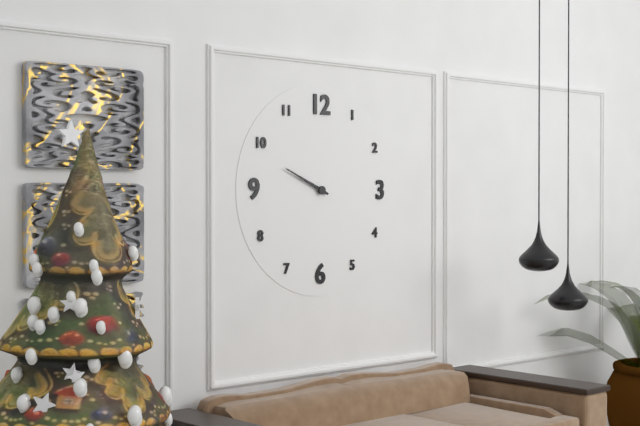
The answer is 9,49
